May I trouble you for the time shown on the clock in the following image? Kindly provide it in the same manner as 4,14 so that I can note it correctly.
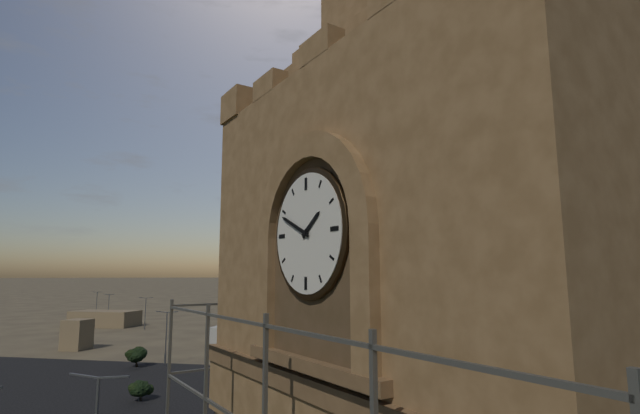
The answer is 1,49
